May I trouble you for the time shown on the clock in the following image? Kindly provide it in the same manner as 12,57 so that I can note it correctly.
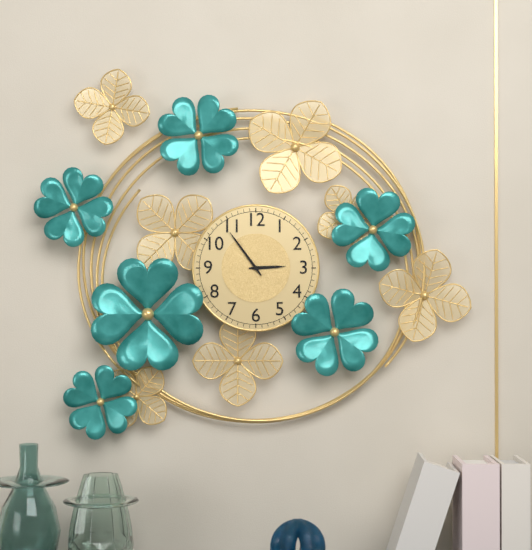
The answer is 2,54
